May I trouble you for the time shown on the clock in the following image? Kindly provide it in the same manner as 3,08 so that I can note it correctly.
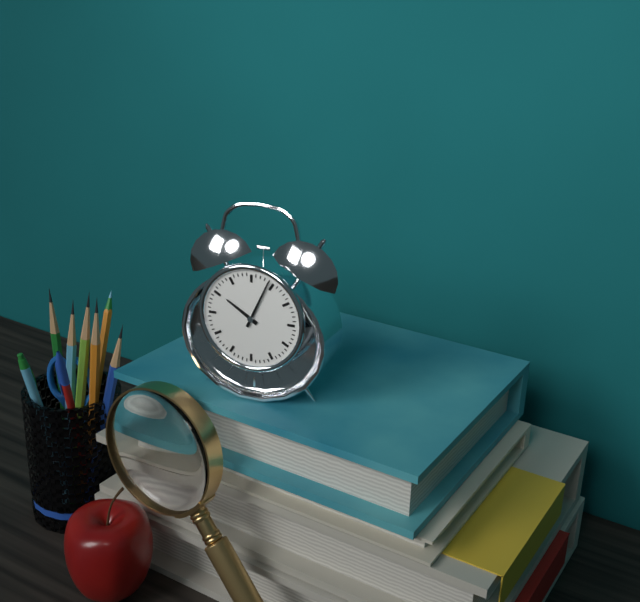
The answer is 10,04
